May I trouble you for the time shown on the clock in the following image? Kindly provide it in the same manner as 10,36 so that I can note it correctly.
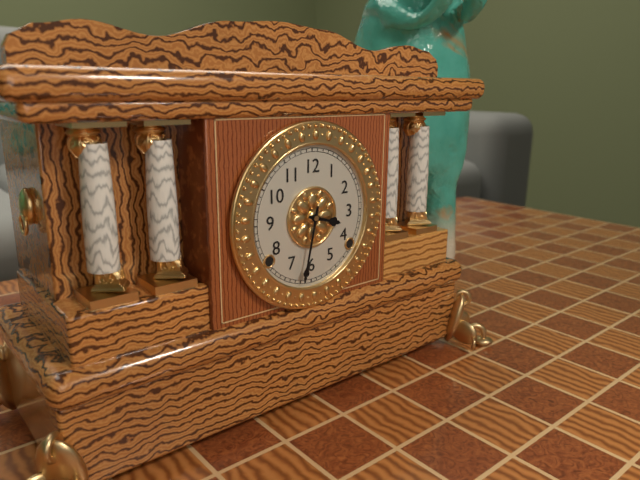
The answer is 3,32
